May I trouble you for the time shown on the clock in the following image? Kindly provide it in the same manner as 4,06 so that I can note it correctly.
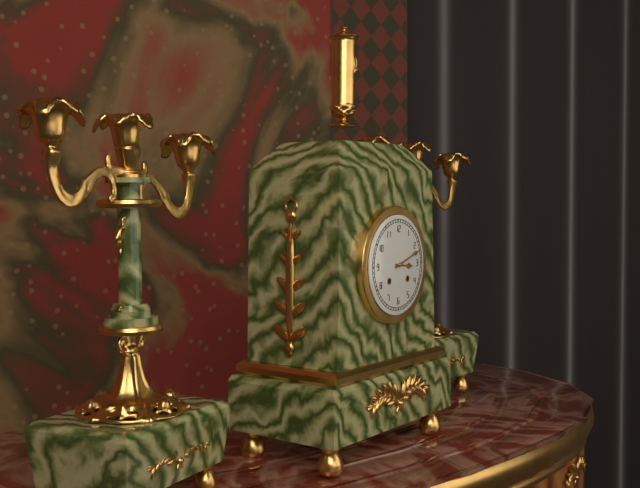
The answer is 3,12
